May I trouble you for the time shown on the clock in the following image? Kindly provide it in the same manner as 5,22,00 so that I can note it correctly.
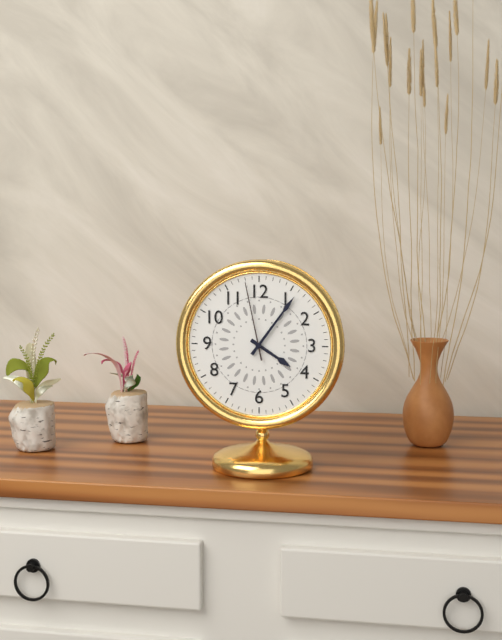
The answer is 4,06,58
